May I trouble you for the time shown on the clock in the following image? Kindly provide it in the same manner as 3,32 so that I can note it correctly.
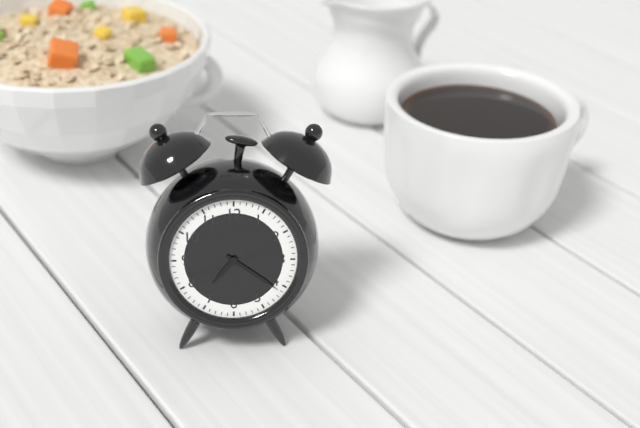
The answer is 7,21
